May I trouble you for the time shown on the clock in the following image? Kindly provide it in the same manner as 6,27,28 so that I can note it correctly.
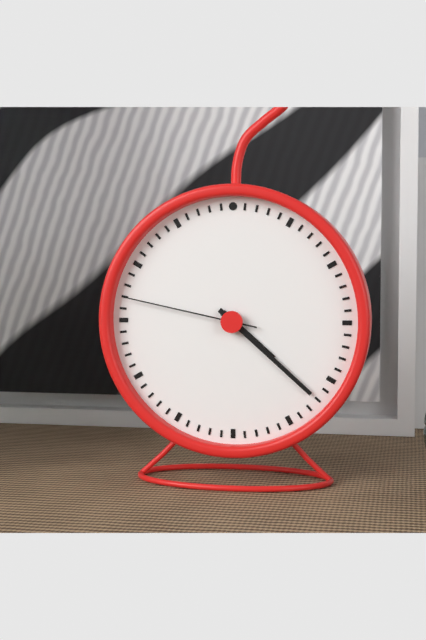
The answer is 4,22,47
